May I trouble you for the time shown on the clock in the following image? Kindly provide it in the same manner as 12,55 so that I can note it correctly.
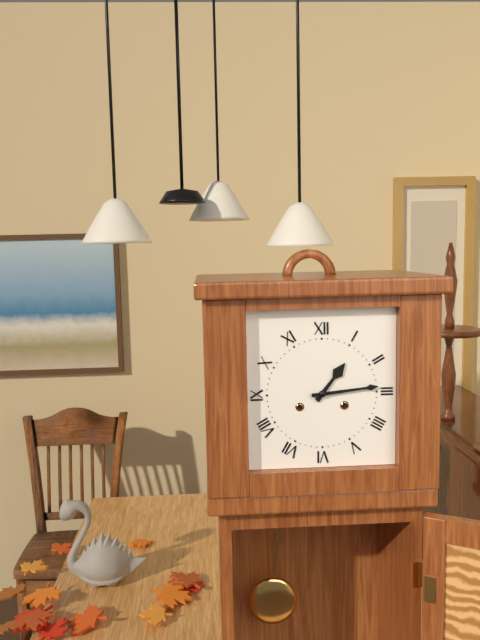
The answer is 1,14
